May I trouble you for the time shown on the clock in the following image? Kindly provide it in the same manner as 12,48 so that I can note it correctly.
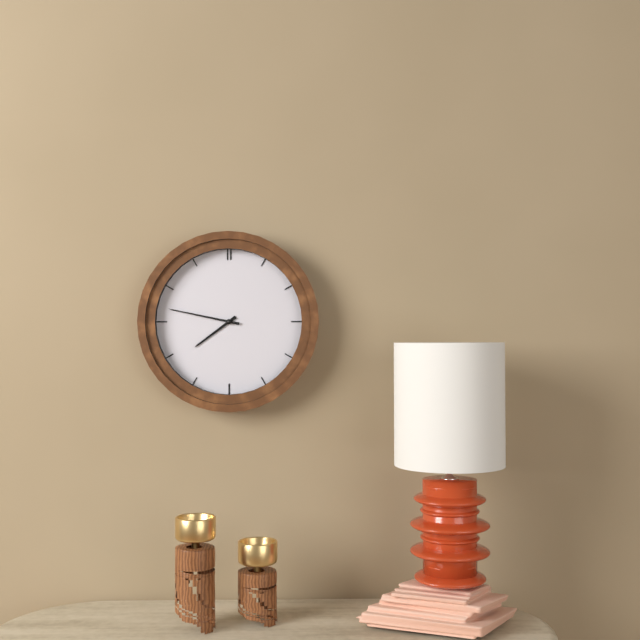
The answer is 7,47
